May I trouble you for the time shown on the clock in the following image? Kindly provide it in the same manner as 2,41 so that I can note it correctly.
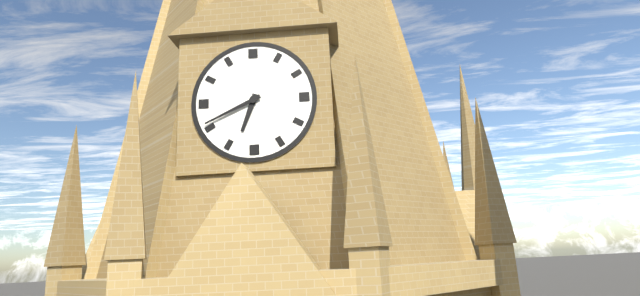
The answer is 6,41
